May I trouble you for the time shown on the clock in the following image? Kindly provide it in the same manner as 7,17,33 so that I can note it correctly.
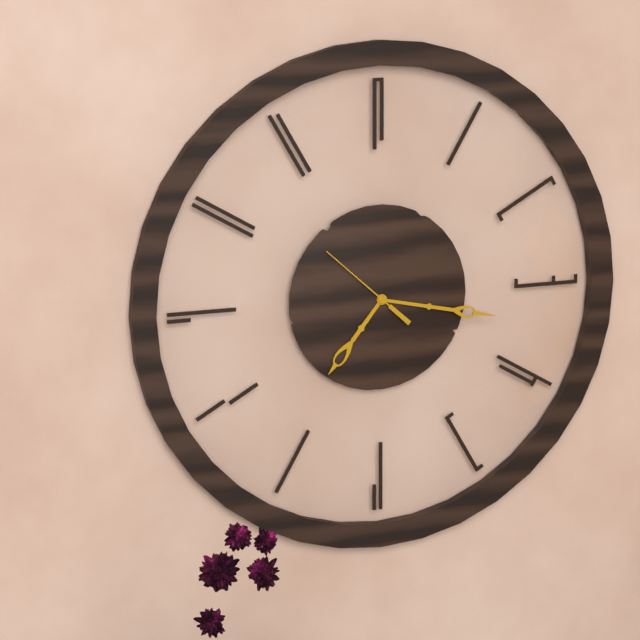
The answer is 7,17,52
